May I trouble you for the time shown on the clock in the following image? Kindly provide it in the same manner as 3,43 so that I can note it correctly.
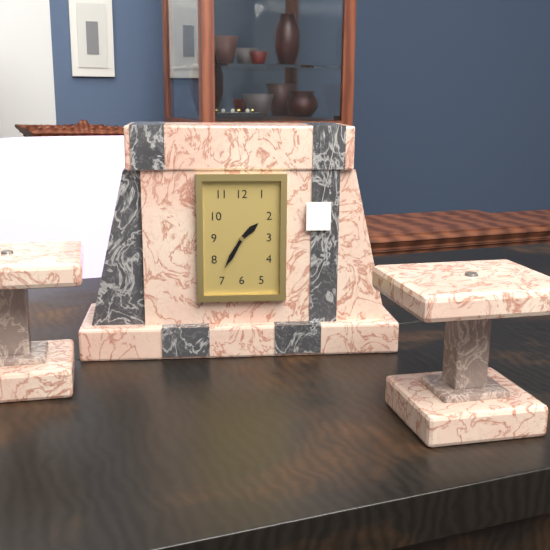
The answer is 1,35
